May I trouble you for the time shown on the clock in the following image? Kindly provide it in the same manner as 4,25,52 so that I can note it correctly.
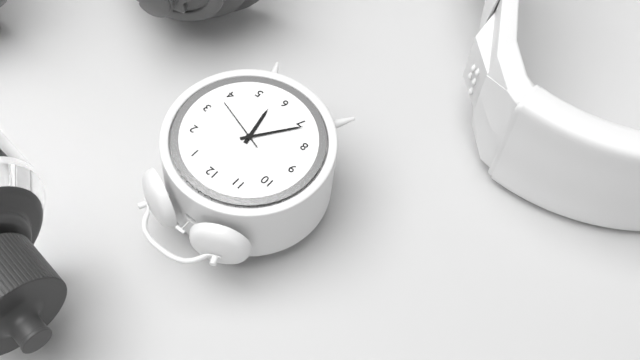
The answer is 5,36,18
